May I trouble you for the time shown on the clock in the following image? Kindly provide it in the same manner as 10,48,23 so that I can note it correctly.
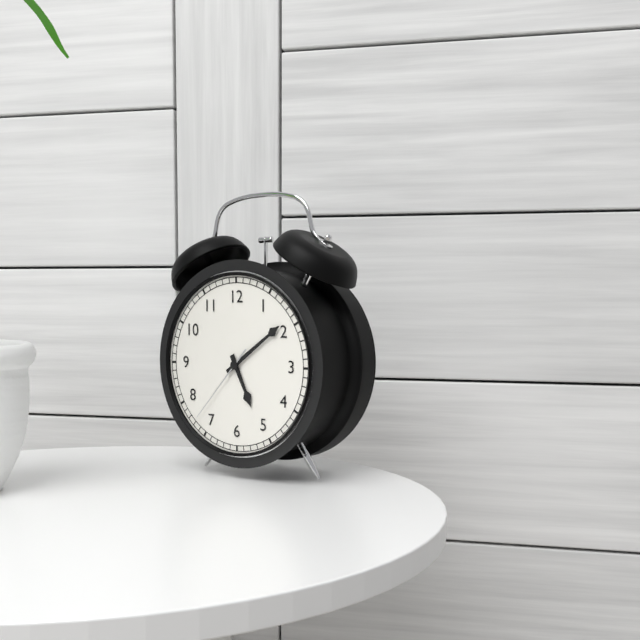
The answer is 5,09,37
